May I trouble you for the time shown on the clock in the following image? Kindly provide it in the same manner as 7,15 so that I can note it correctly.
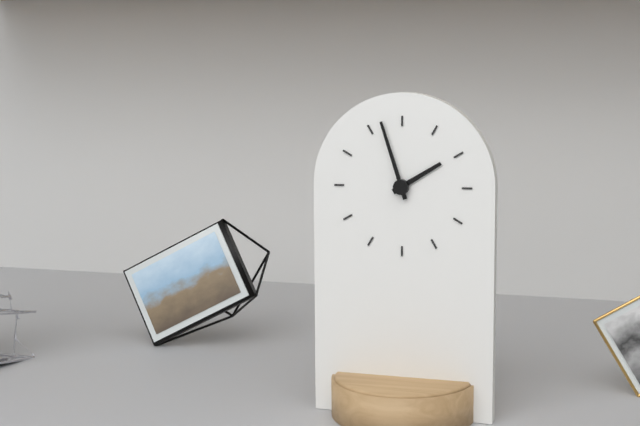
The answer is 1,57
